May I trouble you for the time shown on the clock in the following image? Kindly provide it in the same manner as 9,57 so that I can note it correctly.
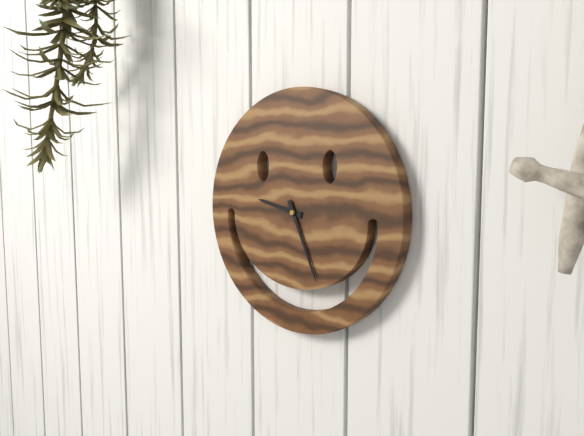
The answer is 9,26
